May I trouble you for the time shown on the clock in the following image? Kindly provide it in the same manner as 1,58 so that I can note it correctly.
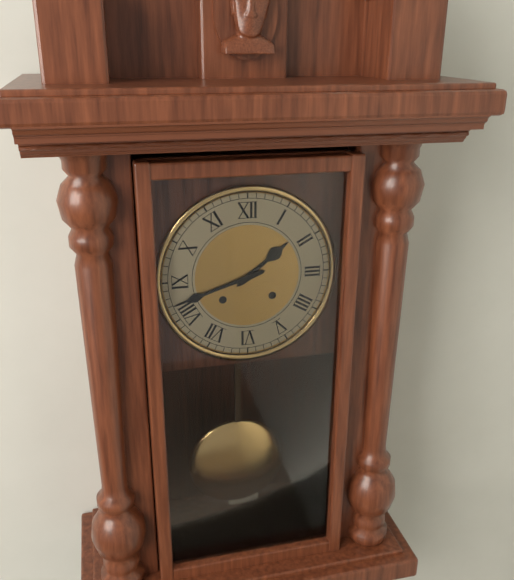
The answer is 1,42
